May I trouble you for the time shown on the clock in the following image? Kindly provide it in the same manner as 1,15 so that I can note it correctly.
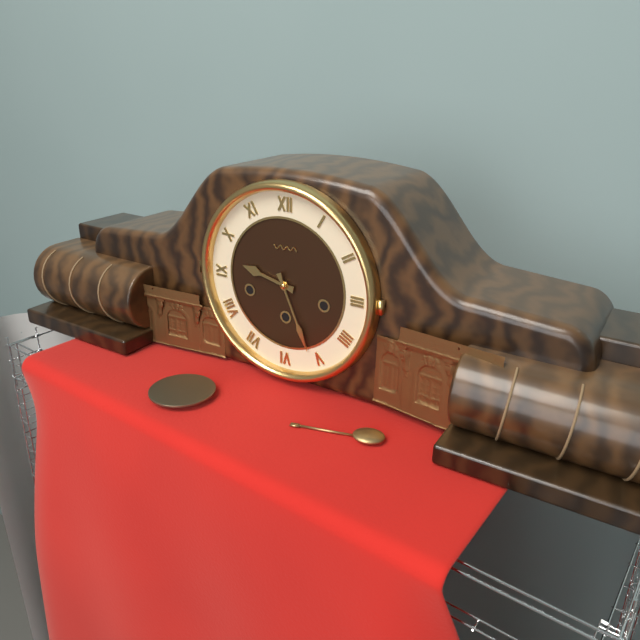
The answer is 9,26
